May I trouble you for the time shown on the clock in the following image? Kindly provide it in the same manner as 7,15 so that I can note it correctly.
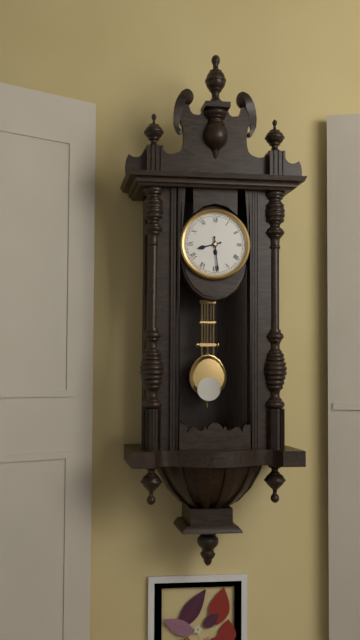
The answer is 8,29
